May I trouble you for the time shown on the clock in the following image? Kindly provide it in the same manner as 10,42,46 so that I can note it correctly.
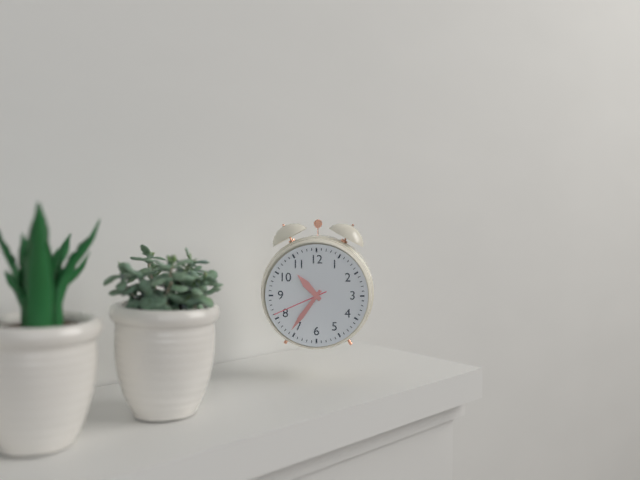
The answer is 10,36,41
